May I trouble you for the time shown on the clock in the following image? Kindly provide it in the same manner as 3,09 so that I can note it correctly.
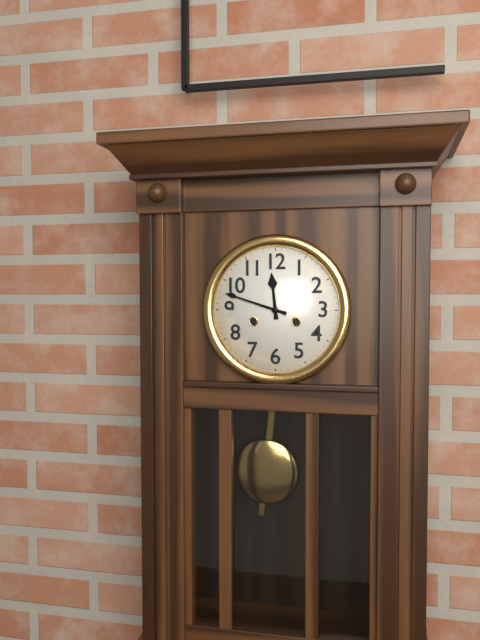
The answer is 11,48
